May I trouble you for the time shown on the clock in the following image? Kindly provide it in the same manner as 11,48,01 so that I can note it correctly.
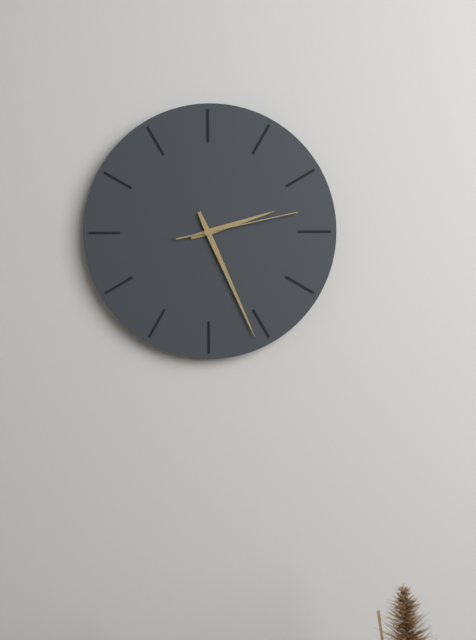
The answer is 2,26,13
